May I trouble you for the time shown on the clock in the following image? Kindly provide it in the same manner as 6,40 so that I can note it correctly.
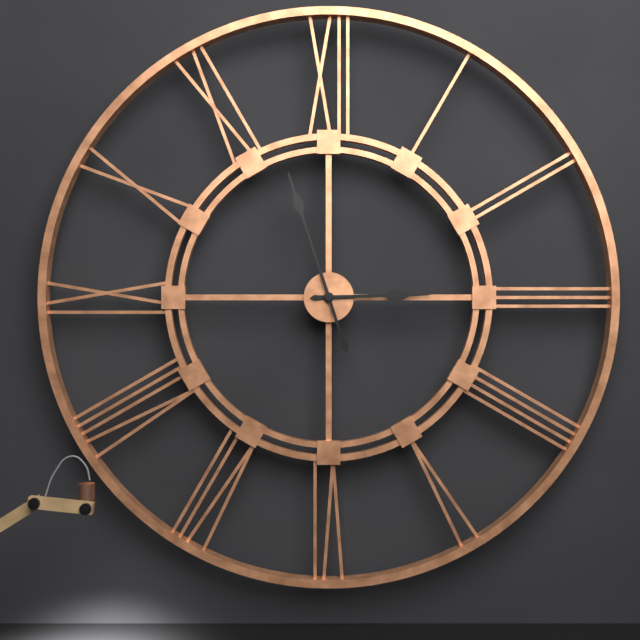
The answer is 2,57
